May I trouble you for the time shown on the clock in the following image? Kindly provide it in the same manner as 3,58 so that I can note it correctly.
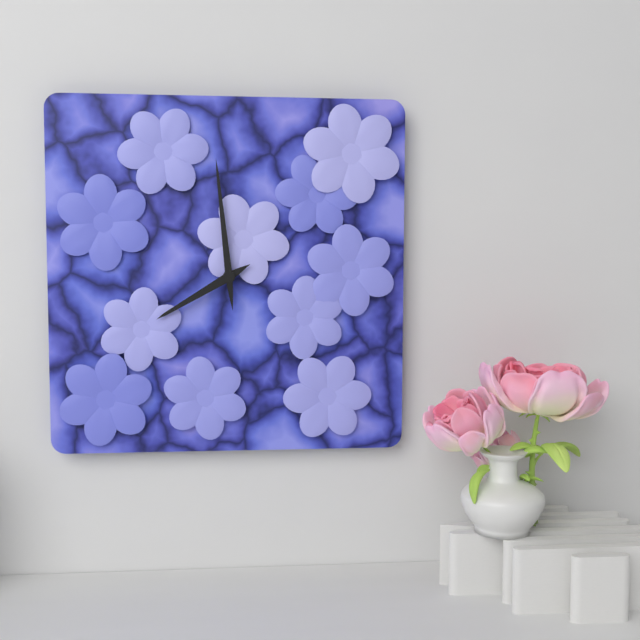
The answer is 7,59
